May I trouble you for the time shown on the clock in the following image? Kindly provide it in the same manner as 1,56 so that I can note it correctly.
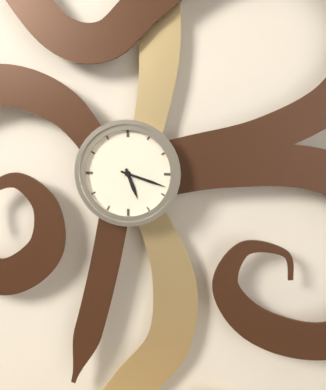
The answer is 5,18
